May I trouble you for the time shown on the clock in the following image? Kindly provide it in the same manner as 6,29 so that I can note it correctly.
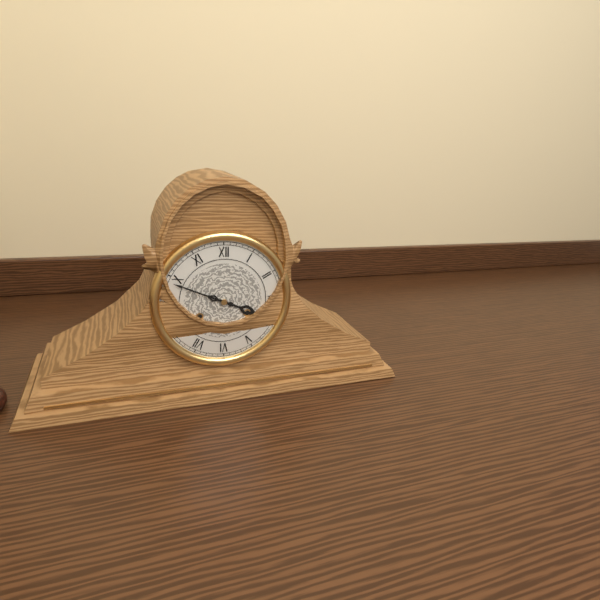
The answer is 3,49
